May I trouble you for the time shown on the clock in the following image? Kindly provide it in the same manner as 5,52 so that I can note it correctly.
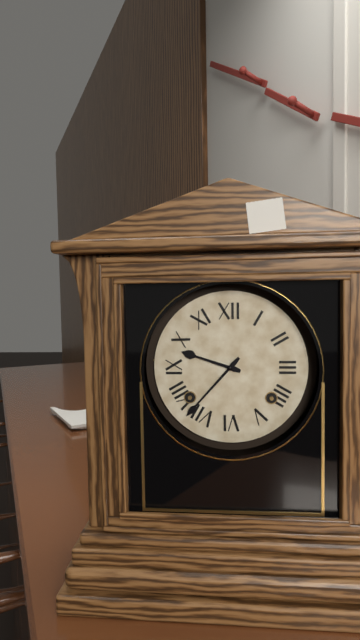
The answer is 9,37
